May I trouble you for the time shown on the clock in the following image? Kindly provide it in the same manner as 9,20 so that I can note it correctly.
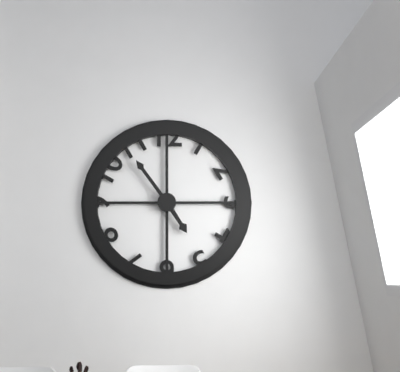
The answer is 4,54
